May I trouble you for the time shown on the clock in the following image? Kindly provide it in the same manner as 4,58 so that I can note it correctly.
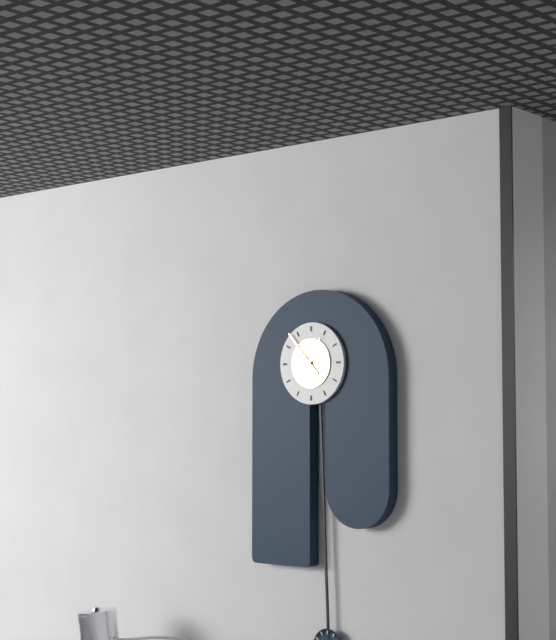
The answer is 12,53
